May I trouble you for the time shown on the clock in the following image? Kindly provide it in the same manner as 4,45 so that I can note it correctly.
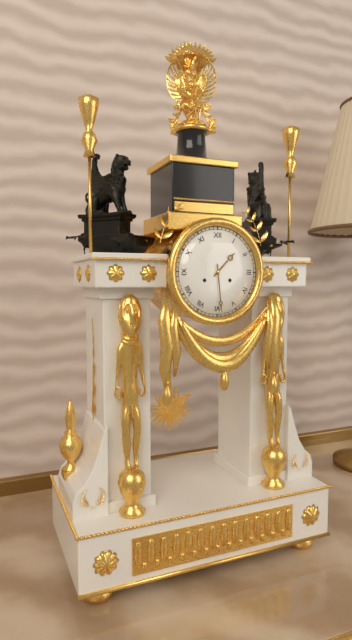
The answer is 1,29
